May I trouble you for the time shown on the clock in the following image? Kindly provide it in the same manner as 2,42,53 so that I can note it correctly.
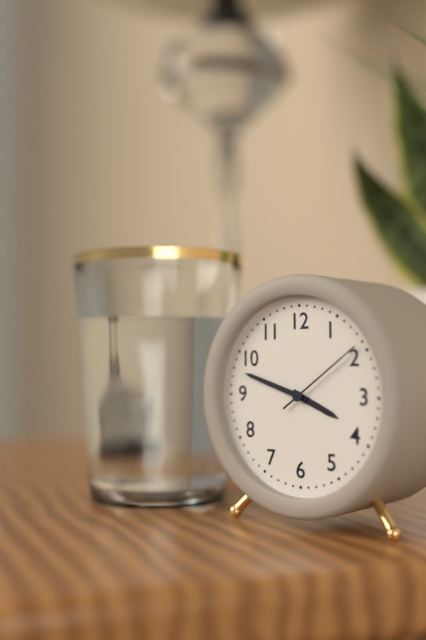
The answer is 3,48,09
